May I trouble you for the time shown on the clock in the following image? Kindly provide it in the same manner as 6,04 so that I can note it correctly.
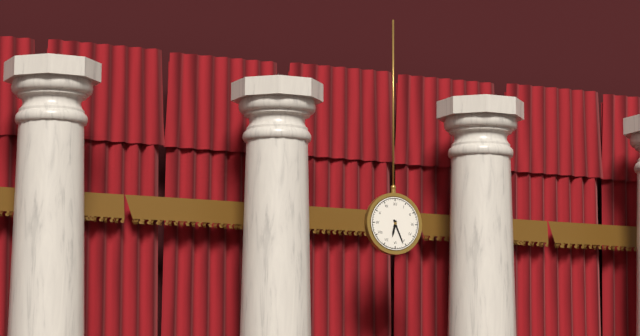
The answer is 6,26
